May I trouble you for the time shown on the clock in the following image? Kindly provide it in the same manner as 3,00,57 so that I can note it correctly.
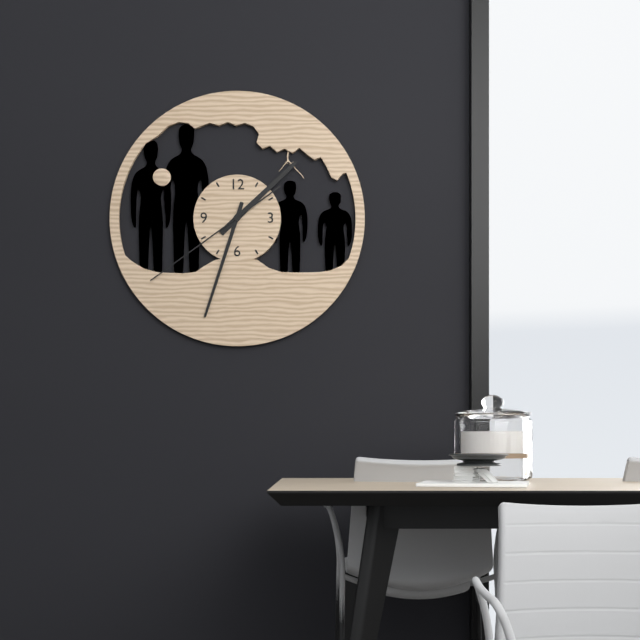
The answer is 1,33,39
